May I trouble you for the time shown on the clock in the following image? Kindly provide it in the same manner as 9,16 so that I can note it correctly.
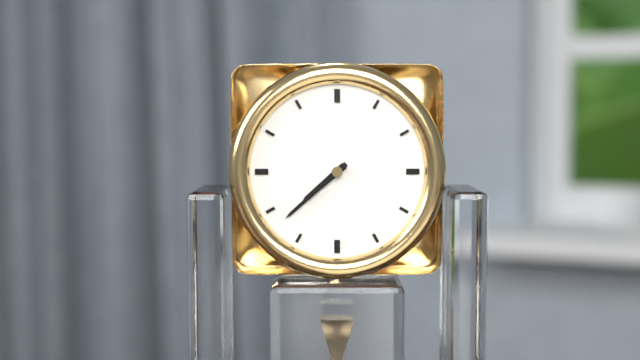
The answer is 7,38
